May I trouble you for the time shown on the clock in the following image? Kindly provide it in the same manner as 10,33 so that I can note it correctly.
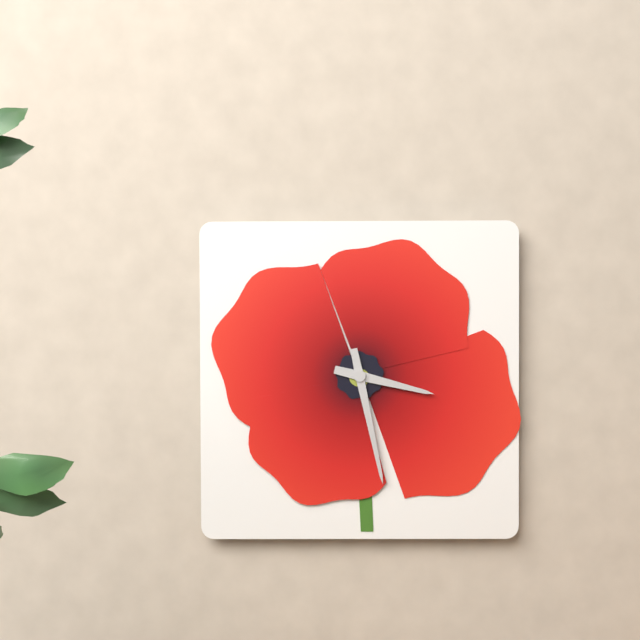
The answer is 3,28
